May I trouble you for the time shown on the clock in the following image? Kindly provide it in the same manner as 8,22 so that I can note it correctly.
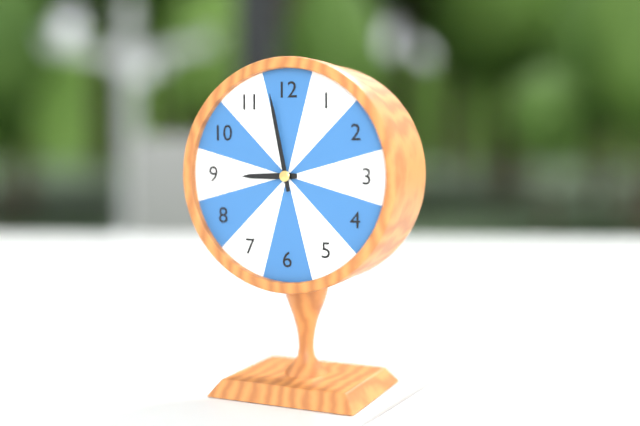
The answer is 8,58
